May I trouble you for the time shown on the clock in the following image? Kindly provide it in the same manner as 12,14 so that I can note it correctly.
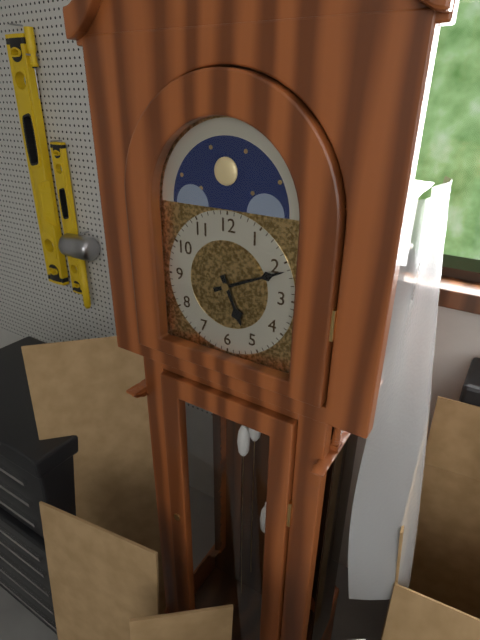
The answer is 5,11
